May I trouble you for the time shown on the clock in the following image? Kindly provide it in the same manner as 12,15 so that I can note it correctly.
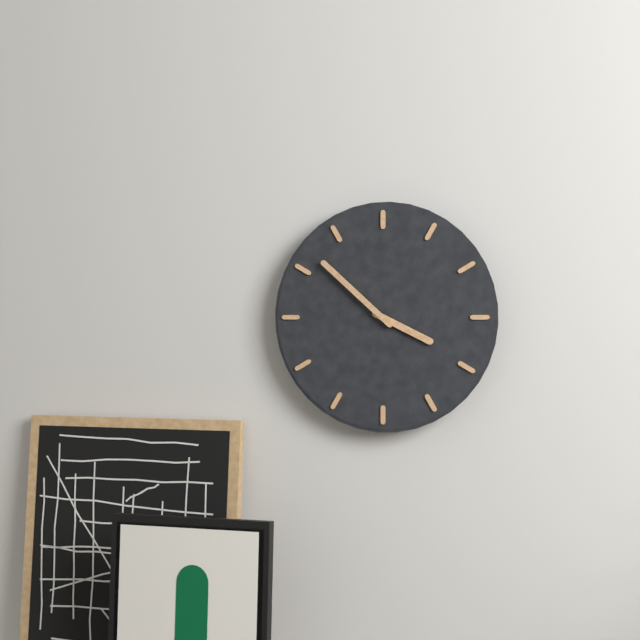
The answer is 3,52
